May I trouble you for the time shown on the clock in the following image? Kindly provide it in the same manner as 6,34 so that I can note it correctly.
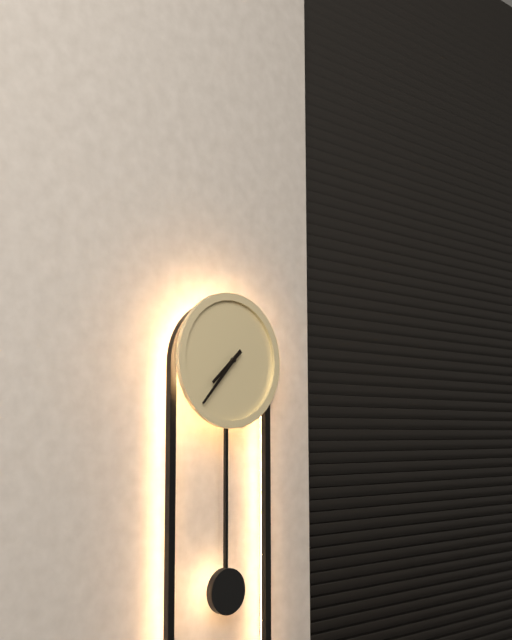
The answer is 7,37
